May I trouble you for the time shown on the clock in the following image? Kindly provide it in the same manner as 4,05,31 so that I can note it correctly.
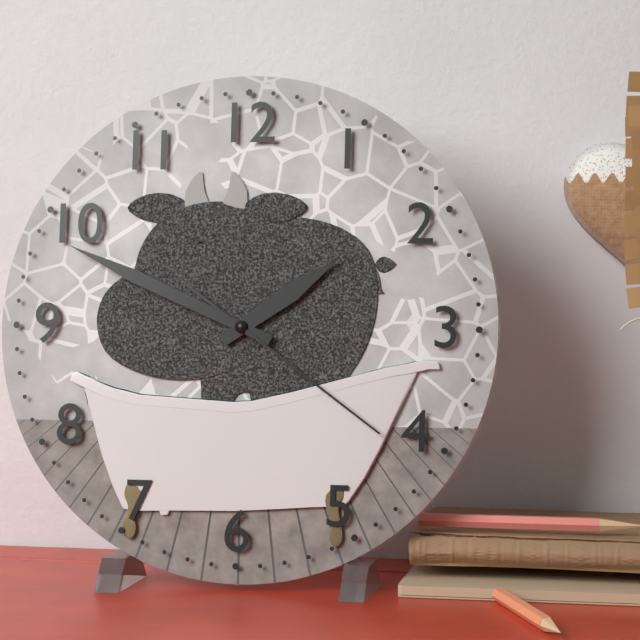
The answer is 1,49,21
